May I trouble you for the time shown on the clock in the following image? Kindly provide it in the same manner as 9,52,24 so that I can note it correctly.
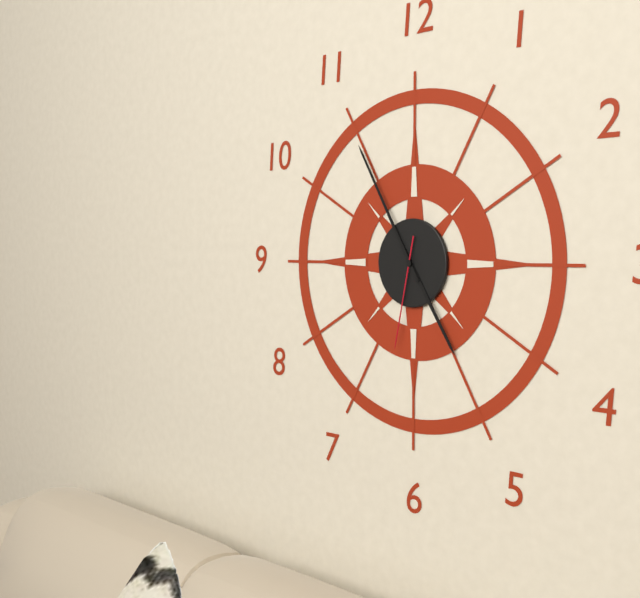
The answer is 4,55,32
